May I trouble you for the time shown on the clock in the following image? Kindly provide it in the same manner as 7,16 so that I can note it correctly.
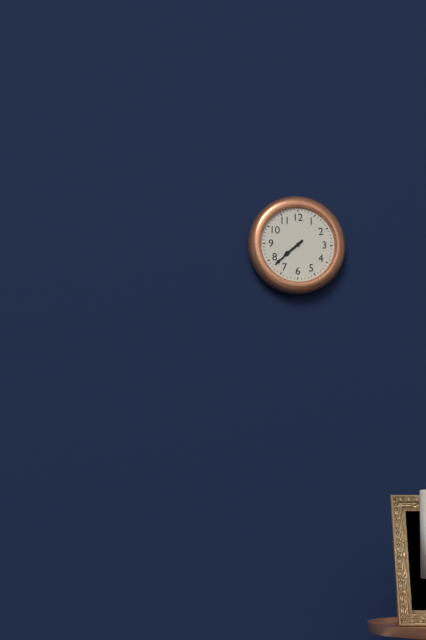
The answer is 7,38
